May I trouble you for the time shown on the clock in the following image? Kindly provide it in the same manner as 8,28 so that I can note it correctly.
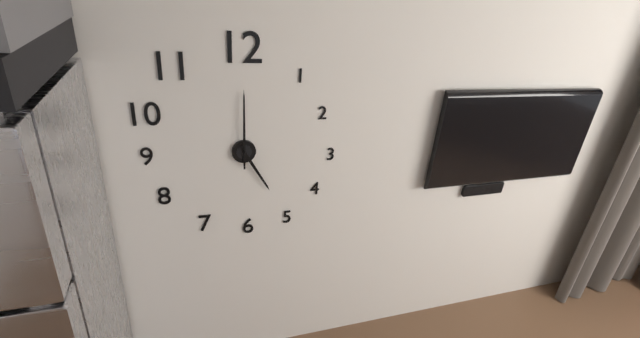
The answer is 5,00
